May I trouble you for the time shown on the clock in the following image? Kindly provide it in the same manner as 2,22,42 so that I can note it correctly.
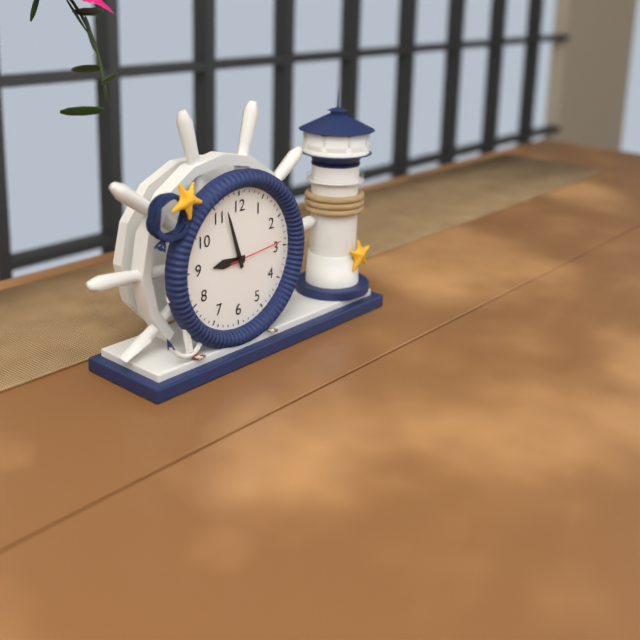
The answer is 8,57,14
